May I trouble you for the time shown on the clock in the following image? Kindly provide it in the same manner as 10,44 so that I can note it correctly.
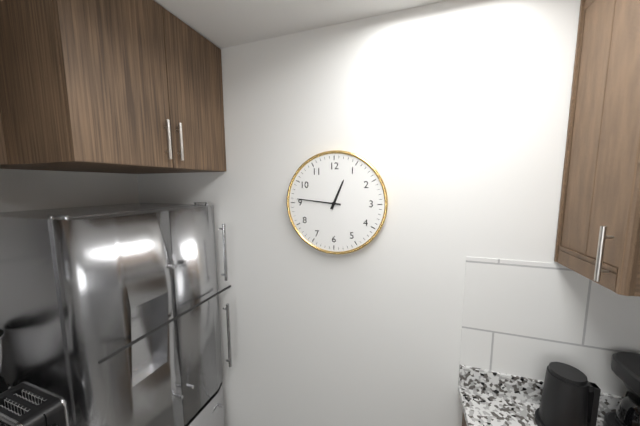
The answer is 12,46
